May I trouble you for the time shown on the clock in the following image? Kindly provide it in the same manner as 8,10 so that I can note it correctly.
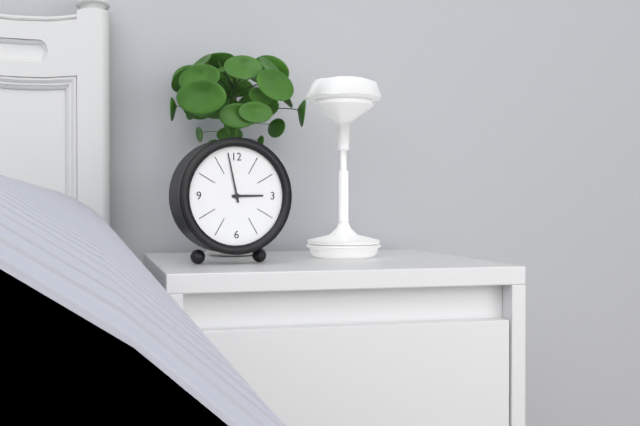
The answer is 2,58
